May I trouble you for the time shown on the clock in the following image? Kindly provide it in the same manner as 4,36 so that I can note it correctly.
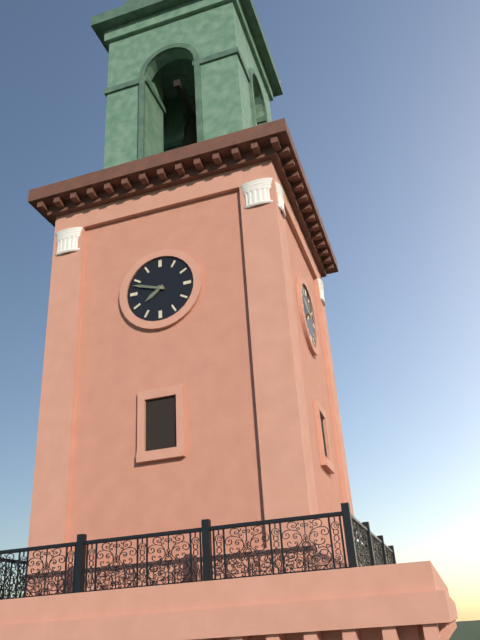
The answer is 7,48
